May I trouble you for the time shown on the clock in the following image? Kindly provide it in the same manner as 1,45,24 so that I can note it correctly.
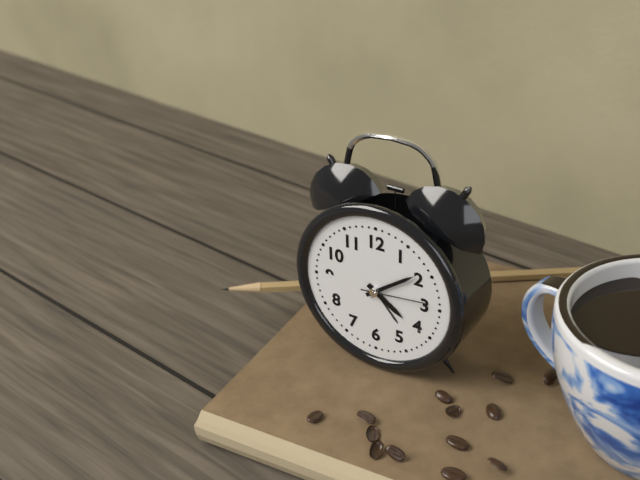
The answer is 4,09,14
